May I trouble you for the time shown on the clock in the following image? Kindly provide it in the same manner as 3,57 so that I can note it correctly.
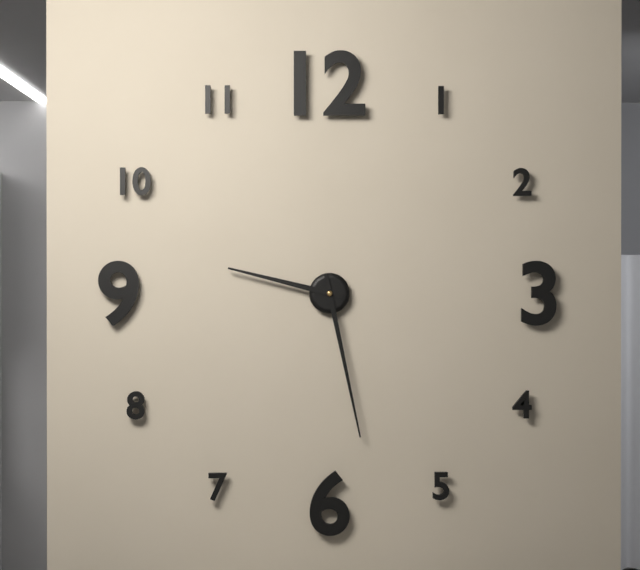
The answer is 9,28
